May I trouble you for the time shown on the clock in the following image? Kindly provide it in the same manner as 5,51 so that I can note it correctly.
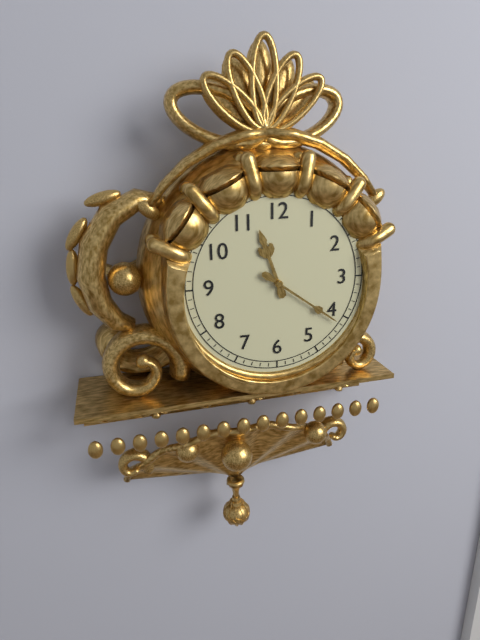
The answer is 11,21
